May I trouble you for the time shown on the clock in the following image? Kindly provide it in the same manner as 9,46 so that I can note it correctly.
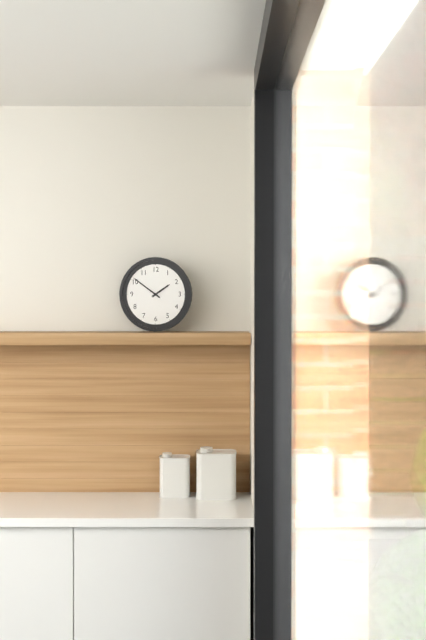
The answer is 1,51
